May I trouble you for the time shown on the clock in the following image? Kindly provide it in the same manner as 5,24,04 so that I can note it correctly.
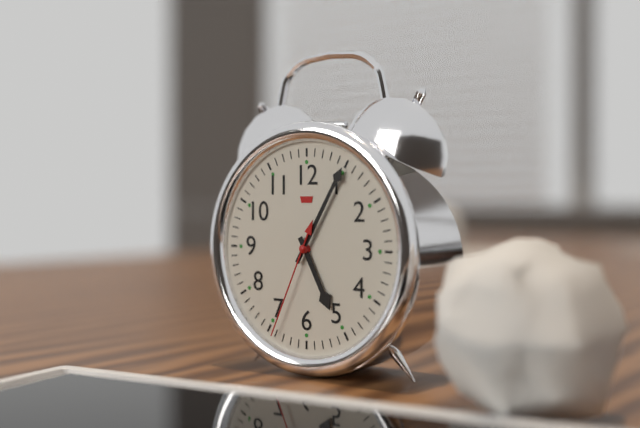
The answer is 5,05,34
